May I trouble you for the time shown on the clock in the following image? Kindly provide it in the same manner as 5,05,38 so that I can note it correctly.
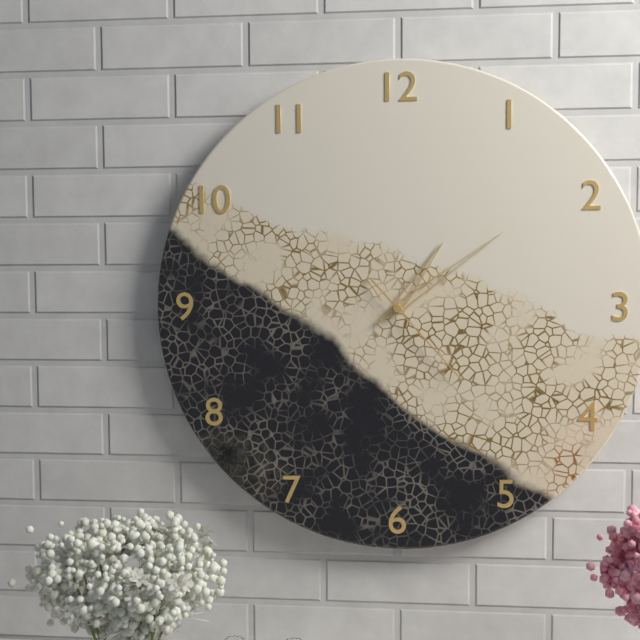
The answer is 1,09,23
